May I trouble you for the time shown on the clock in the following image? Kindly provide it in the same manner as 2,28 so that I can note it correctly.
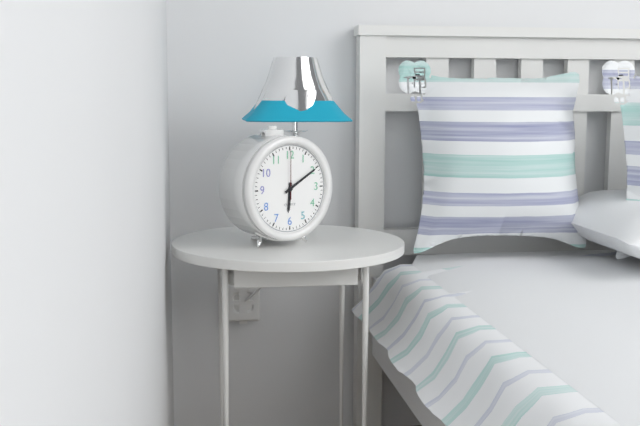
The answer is 6,10
